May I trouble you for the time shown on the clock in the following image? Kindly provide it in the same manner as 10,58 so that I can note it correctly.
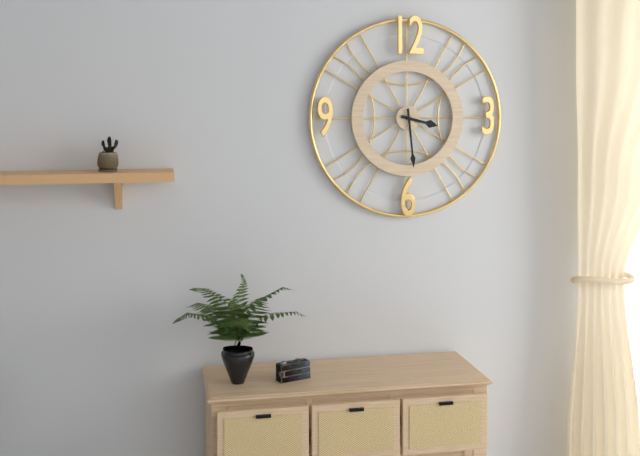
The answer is 3,29
